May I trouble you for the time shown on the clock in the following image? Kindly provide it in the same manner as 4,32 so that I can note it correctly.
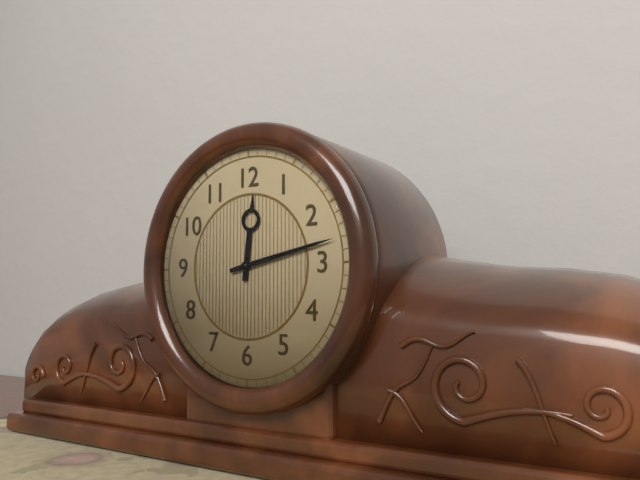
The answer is 12,13
